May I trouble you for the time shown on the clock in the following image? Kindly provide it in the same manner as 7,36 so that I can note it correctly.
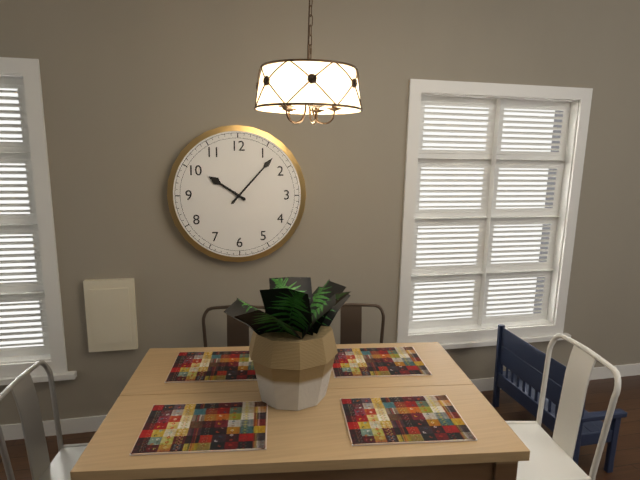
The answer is 10,07
